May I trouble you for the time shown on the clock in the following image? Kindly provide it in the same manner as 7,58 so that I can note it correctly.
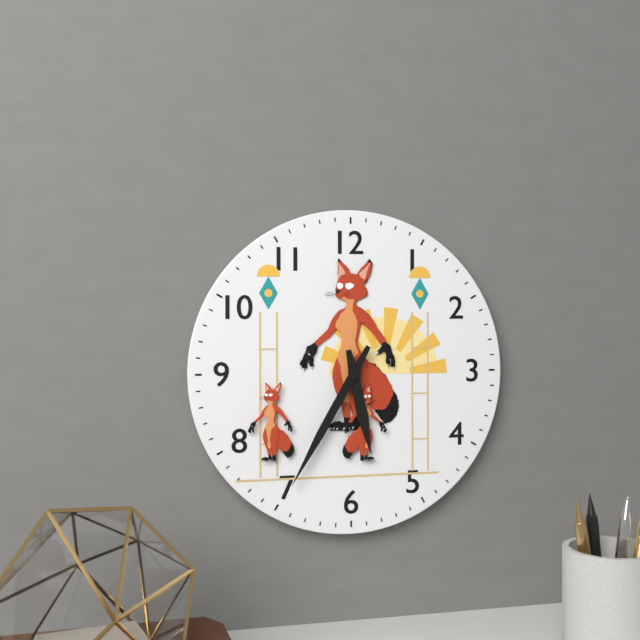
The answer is 5,35
